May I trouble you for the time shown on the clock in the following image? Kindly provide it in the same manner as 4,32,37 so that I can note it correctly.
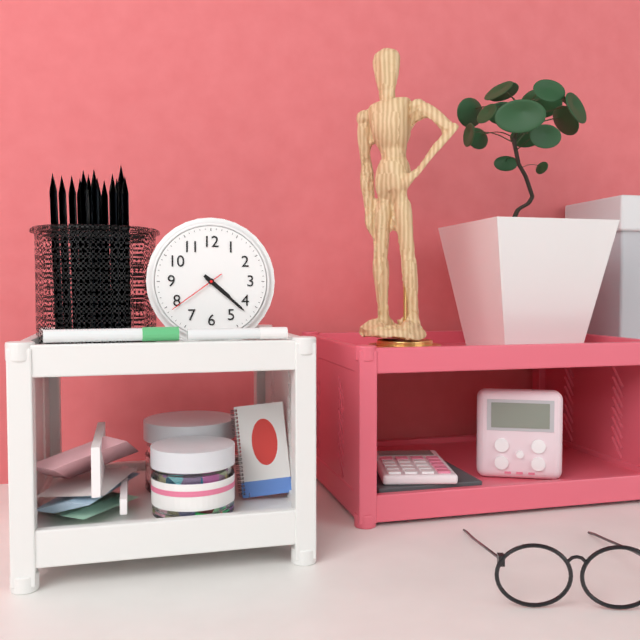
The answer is 4,22,39
